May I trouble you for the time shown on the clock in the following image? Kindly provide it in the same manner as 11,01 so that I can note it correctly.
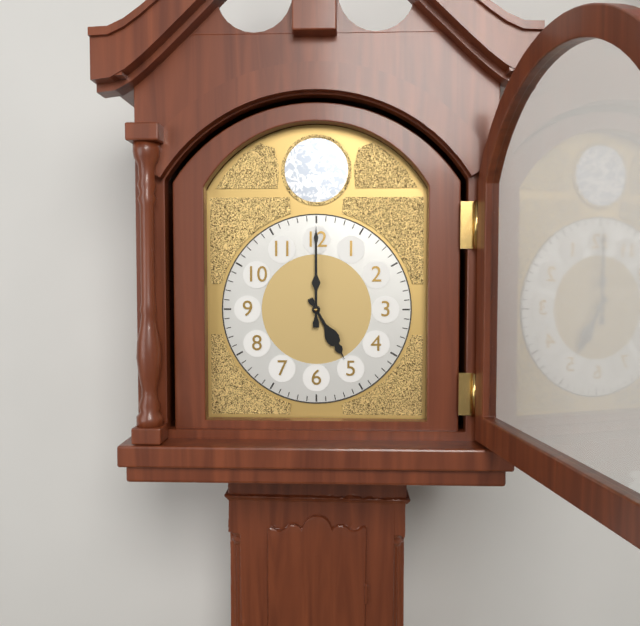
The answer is 5,00
